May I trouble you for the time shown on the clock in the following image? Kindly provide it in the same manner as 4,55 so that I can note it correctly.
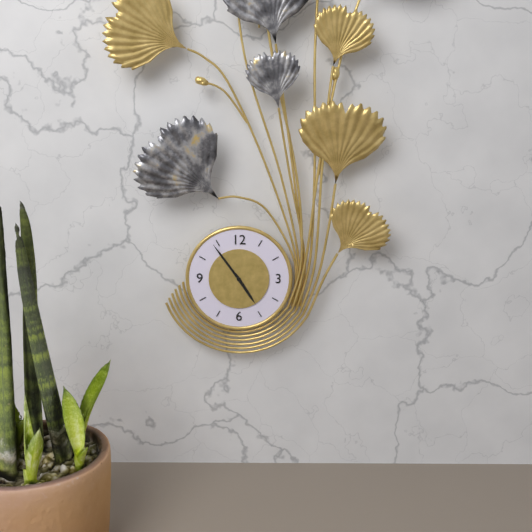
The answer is 4,54
